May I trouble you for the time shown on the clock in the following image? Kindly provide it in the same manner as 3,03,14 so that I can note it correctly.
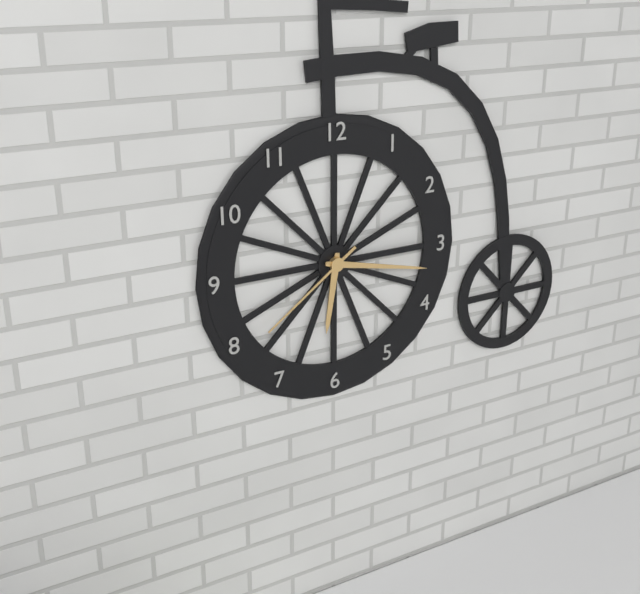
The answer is 6,17,39
